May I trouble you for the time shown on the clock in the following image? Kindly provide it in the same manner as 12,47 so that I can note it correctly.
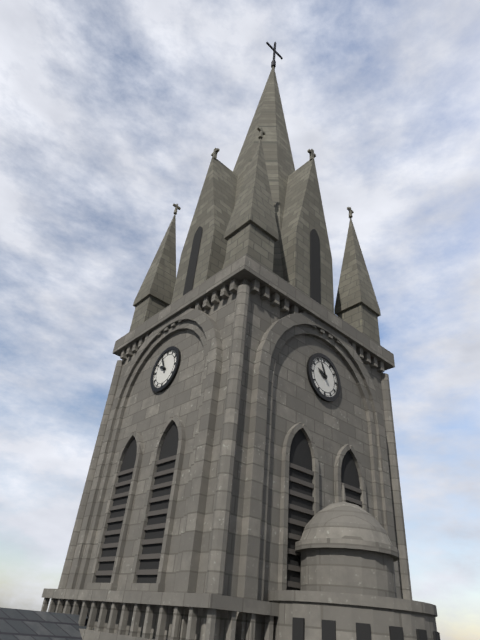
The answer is 9,56
